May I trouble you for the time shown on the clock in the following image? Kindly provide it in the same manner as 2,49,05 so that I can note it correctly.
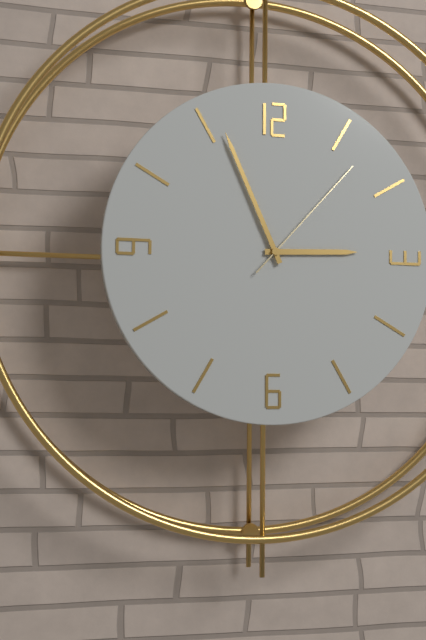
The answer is 2,56,07
